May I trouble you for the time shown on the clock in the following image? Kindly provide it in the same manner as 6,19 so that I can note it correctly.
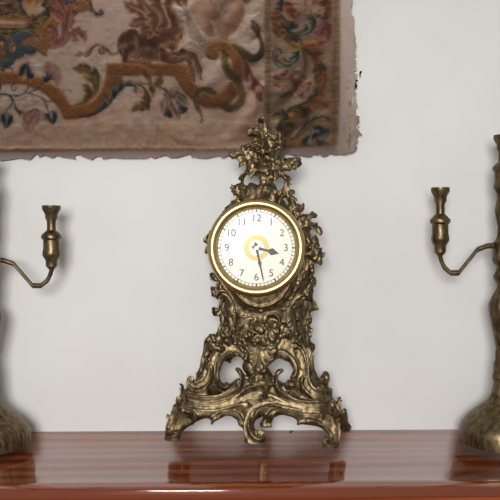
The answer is 3,28
